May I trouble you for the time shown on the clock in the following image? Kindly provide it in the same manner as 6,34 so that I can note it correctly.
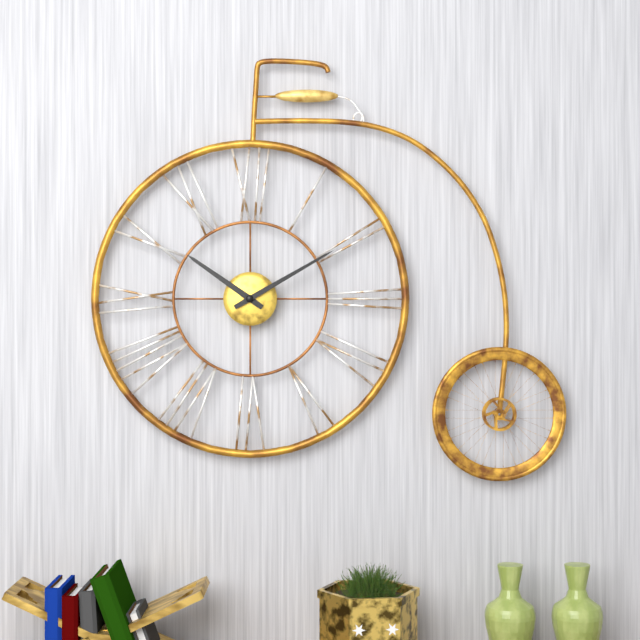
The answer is 10,10
